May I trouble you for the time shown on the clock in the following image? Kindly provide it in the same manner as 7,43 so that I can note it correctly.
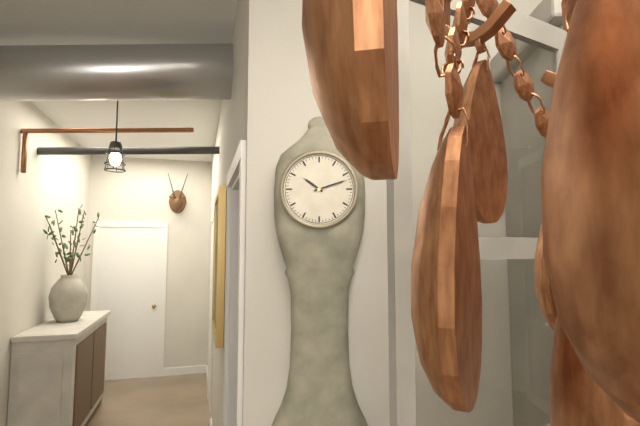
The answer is 10,12
